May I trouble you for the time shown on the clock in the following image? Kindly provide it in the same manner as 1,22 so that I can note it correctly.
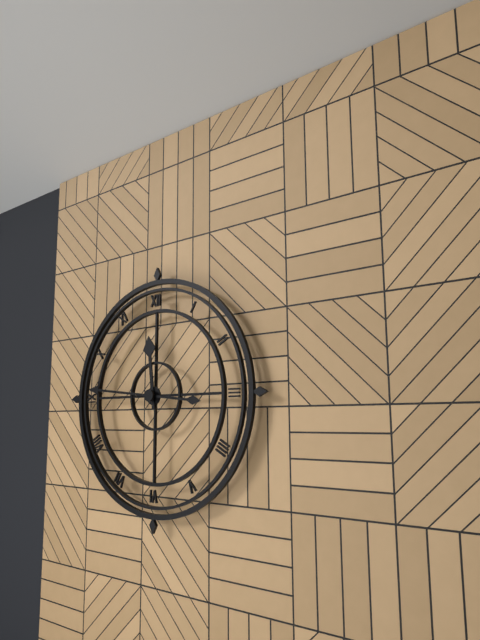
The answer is 11,46
